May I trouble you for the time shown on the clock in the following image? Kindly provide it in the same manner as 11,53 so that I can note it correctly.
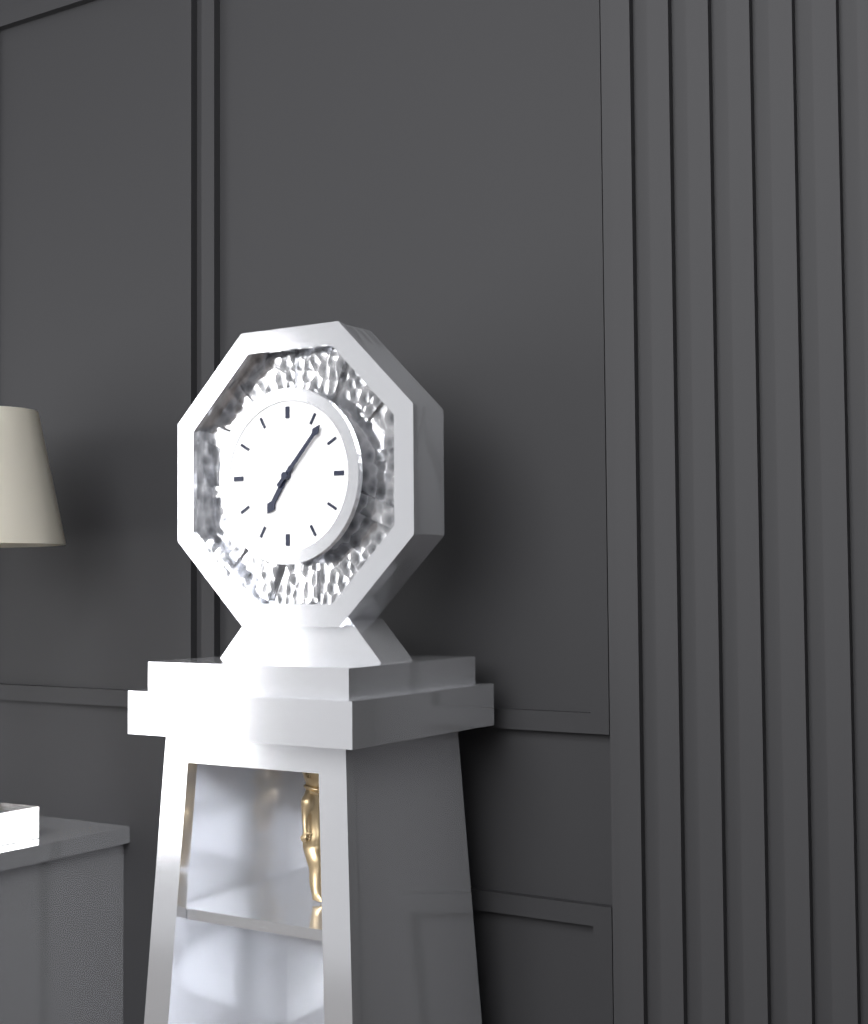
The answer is 7,07
